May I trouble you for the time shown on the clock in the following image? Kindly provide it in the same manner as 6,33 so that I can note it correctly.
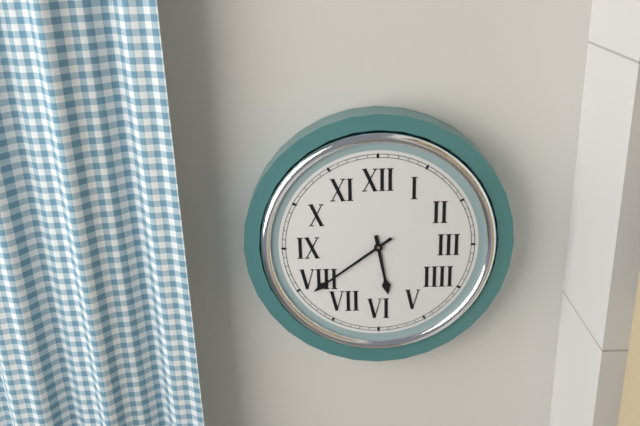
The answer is 5,39
